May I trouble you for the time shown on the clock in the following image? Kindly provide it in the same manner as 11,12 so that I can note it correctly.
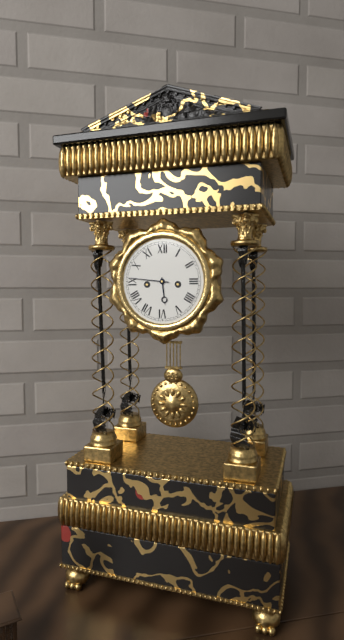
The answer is 5,46
